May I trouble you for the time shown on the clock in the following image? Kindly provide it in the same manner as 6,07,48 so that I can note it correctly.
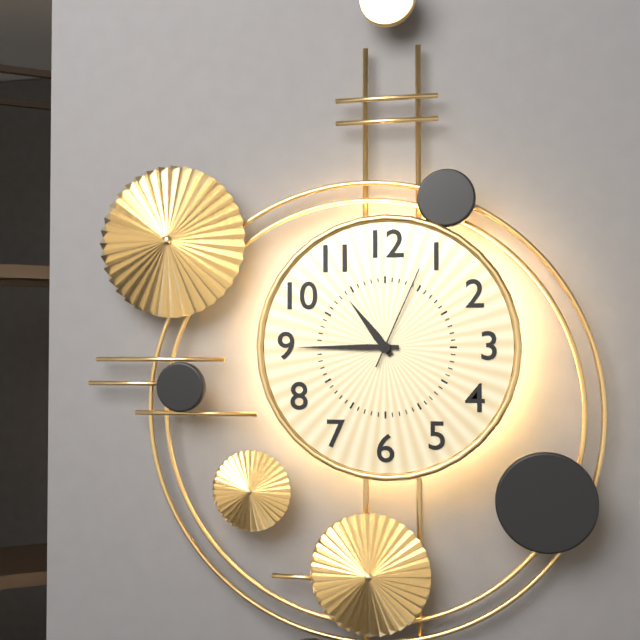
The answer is 10,45,04
